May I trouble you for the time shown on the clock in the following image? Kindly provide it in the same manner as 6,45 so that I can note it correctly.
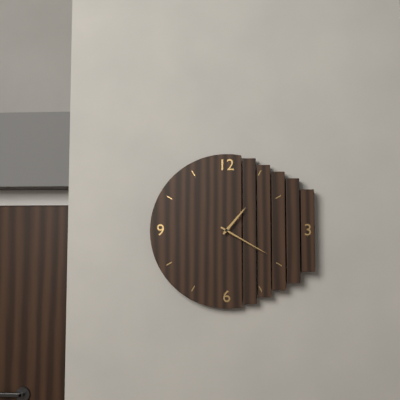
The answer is 1,20
